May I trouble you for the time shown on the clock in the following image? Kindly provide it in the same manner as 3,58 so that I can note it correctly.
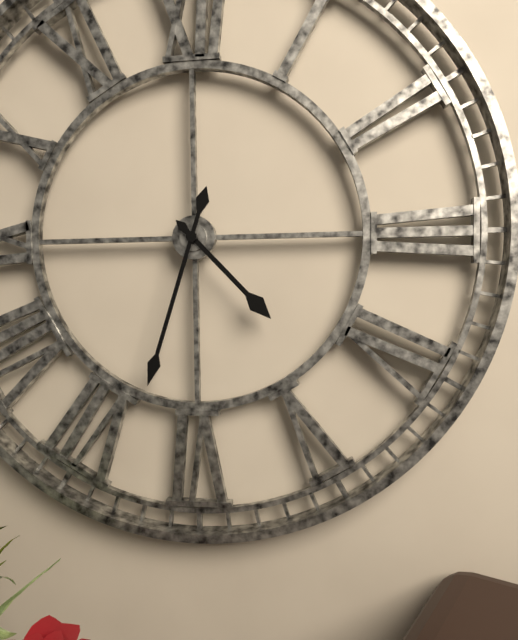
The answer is 4,33
